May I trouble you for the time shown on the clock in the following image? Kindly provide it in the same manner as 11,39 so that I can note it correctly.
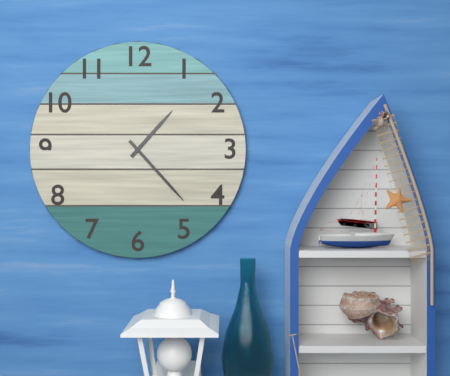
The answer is 1,23
